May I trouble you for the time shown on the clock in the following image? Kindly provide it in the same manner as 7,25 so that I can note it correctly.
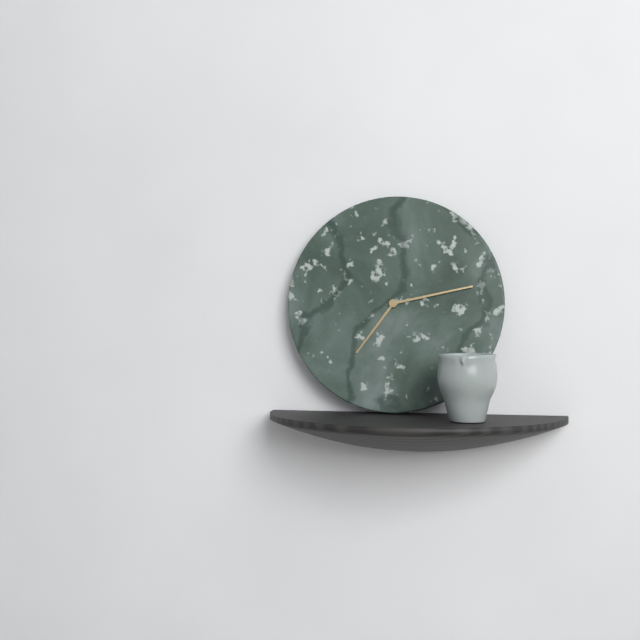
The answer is 7,13
